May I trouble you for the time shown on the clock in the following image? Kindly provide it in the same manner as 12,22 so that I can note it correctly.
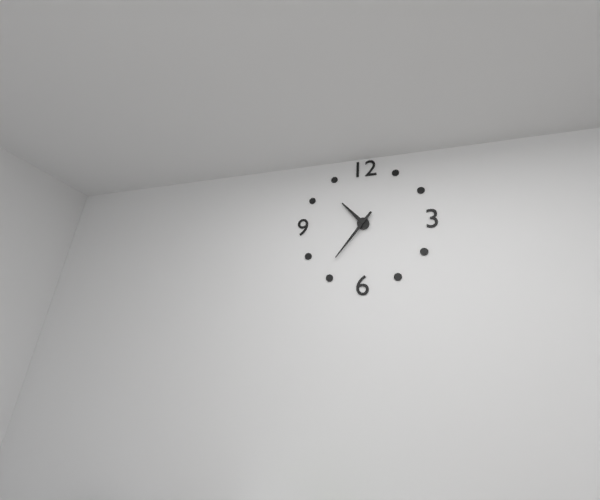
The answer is 10,36
